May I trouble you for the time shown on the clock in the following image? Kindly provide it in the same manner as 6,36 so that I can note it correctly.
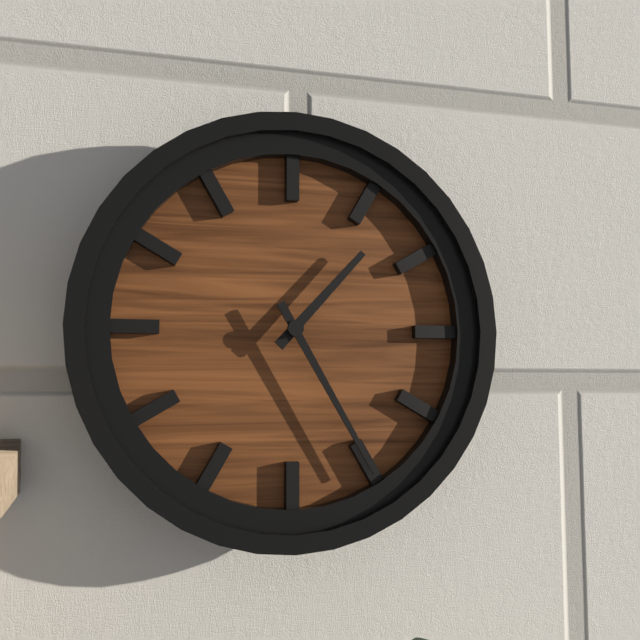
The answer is 1,25
